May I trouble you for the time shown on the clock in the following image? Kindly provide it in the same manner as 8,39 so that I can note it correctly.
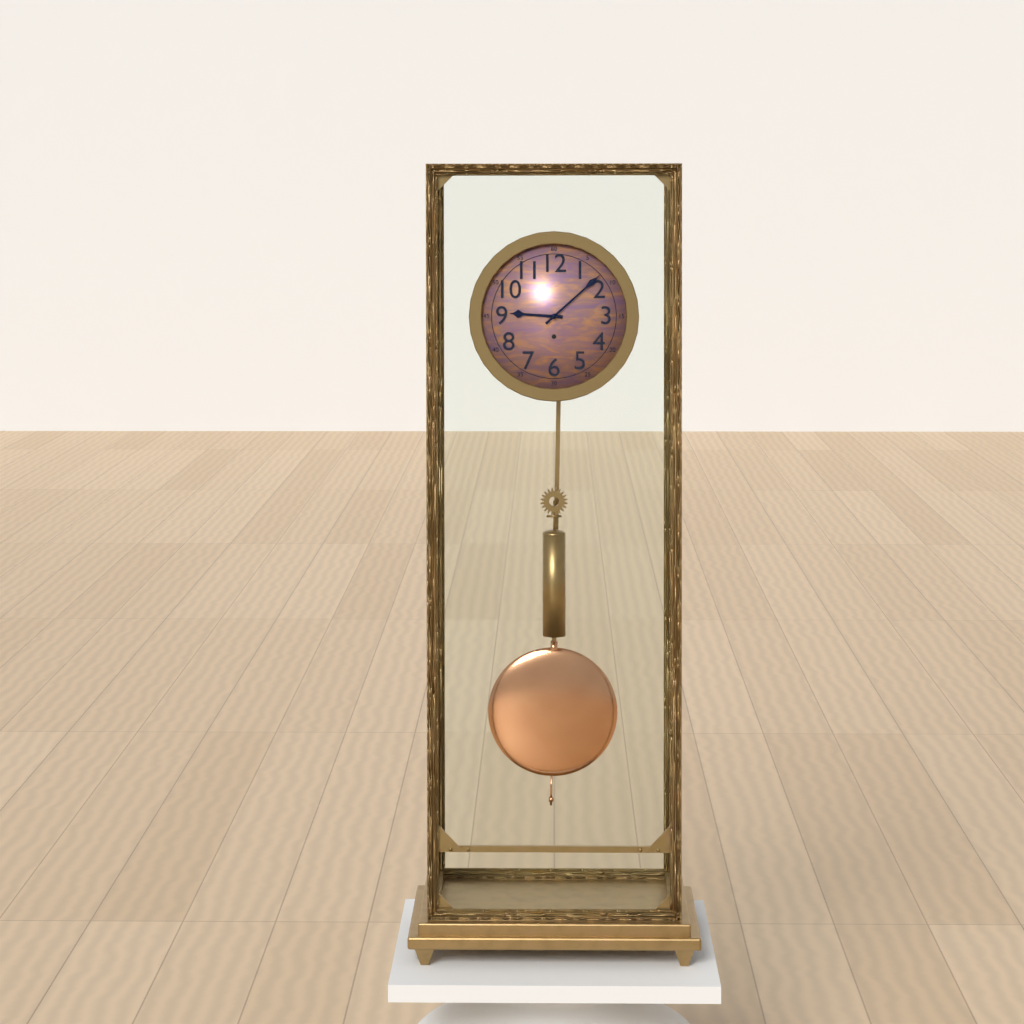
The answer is 9,08
